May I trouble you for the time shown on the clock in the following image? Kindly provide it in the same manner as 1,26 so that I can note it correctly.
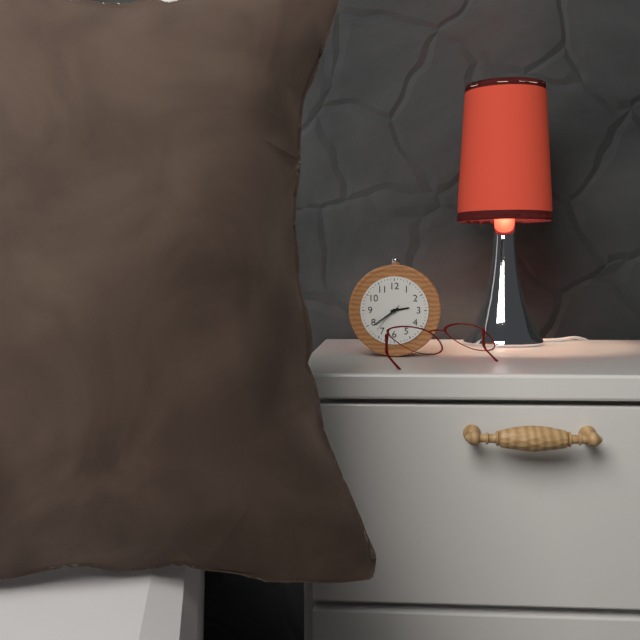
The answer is 2,39
